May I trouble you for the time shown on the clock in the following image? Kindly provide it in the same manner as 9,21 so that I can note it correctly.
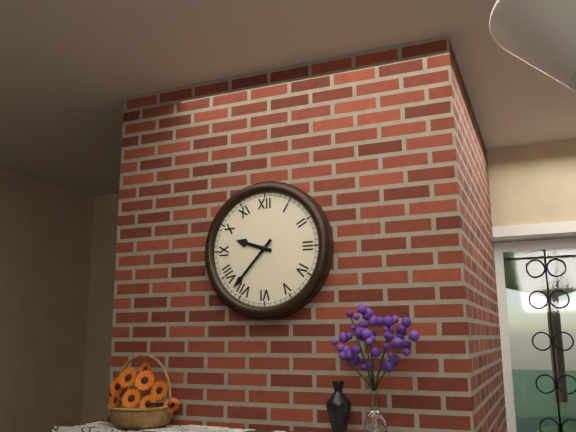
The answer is 9,37
